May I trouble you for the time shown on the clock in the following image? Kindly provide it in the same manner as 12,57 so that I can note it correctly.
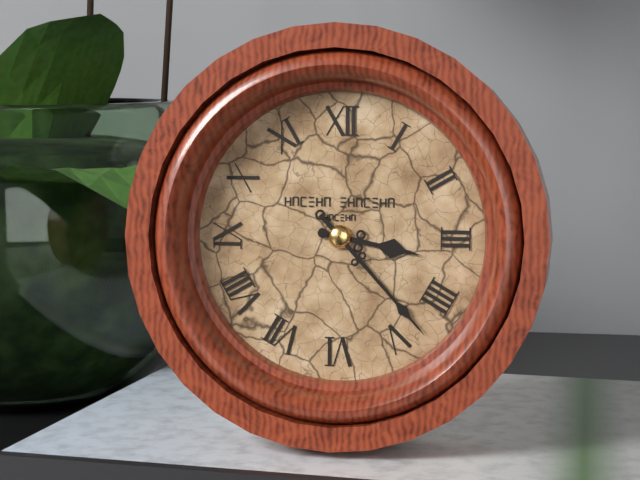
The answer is 3,23
